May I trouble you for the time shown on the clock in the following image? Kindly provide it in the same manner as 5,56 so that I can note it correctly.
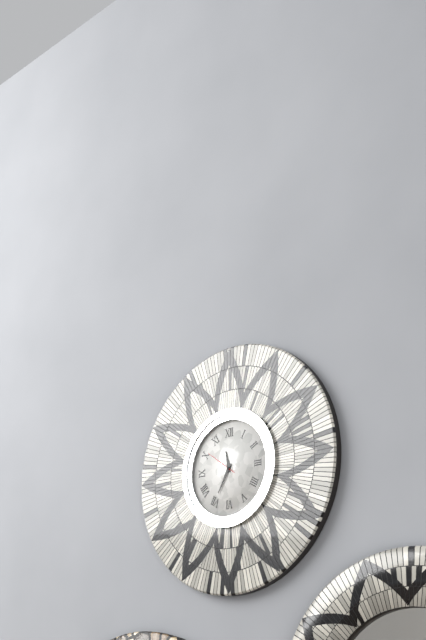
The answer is 11,35
